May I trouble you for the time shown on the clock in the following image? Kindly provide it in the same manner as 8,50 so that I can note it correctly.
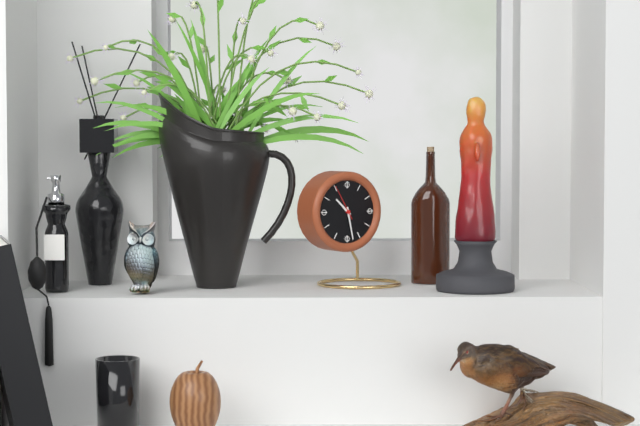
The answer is 10,28
